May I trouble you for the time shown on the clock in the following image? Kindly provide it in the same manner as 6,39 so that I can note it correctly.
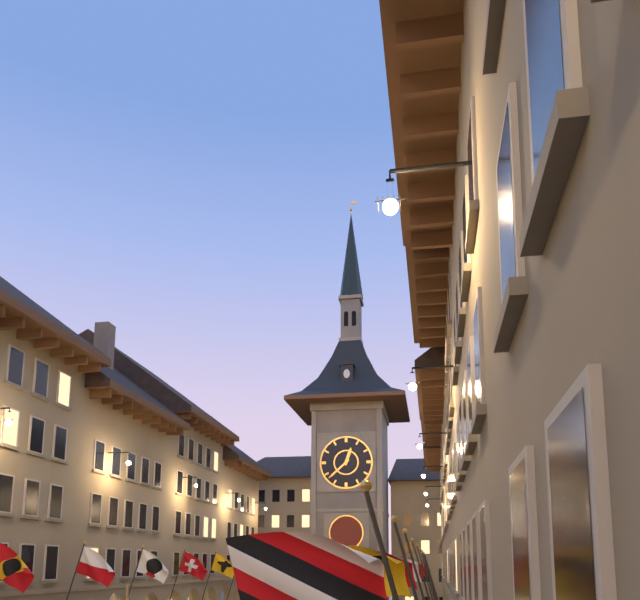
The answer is 12,38
